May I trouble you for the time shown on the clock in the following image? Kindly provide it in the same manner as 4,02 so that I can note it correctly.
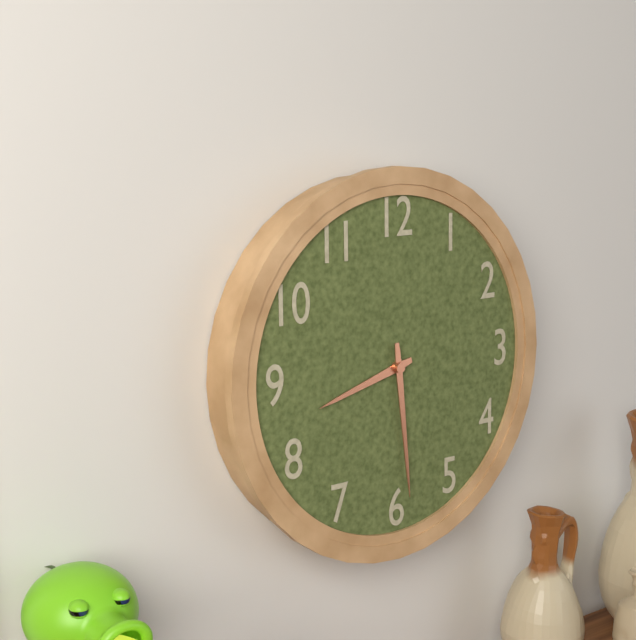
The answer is 8,29
